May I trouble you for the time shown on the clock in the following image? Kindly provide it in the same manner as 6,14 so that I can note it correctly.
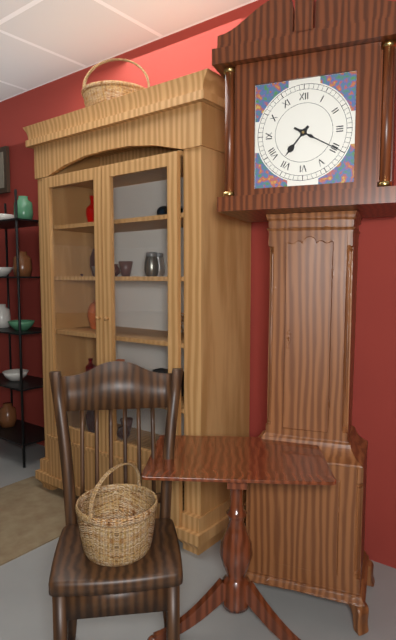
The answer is 7,20
